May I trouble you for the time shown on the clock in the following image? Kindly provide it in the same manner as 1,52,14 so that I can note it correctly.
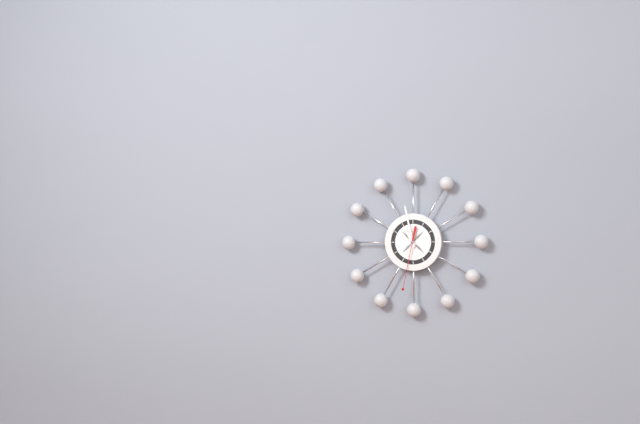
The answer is 10,58,32
